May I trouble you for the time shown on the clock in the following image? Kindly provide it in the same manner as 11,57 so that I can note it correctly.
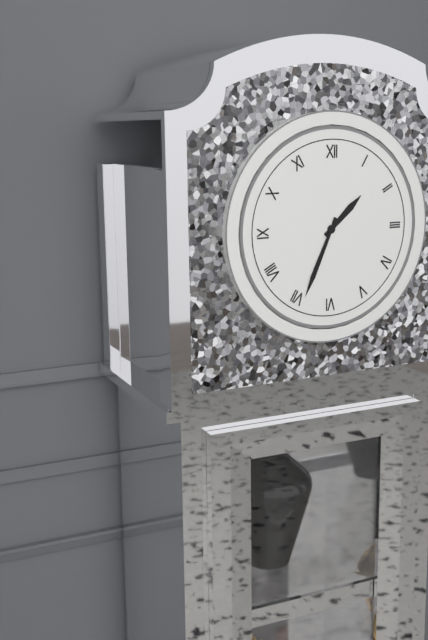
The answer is 1,34
